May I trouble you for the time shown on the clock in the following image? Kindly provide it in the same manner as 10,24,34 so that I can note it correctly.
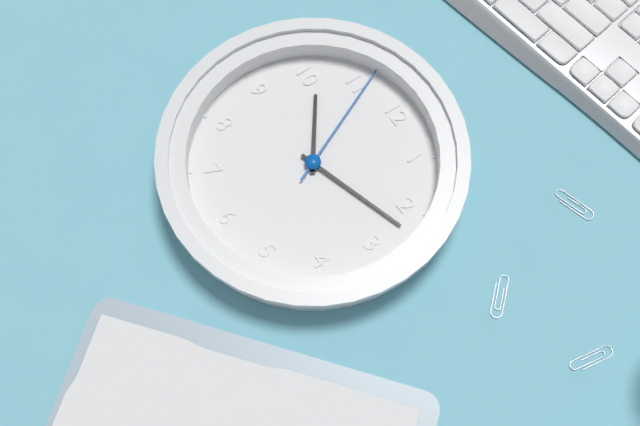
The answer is 10,12,56
